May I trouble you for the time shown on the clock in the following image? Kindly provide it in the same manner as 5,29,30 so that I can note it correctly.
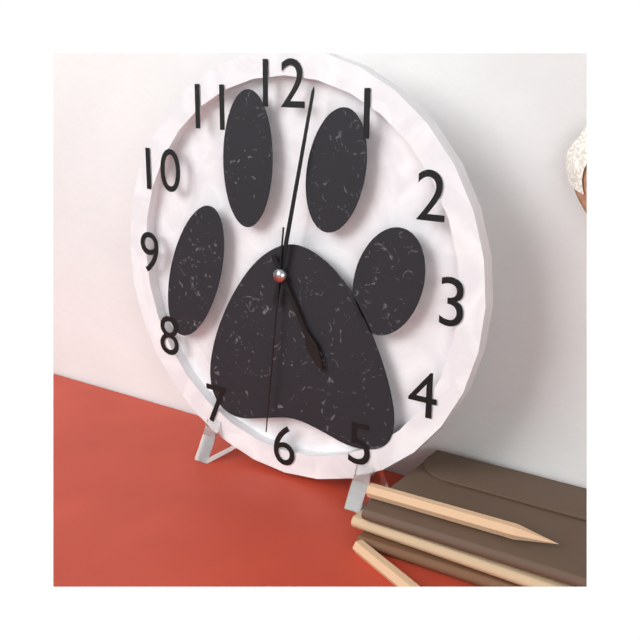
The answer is 5,02,31
